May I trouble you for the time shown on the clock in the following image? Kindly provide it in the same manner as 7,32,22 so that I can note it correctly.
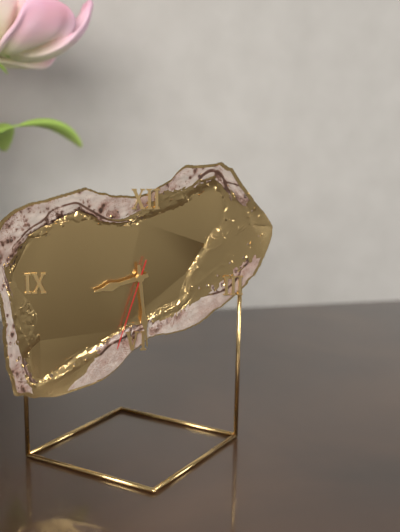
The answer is 8,29,33
